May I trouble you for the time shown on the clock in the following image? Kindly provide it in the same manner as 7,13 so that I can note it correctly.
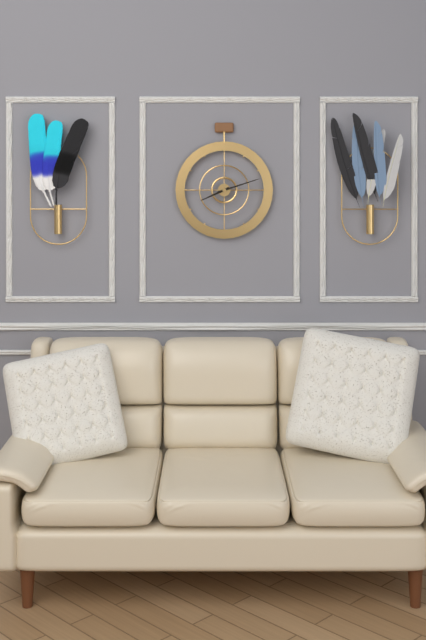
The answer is 8,12
